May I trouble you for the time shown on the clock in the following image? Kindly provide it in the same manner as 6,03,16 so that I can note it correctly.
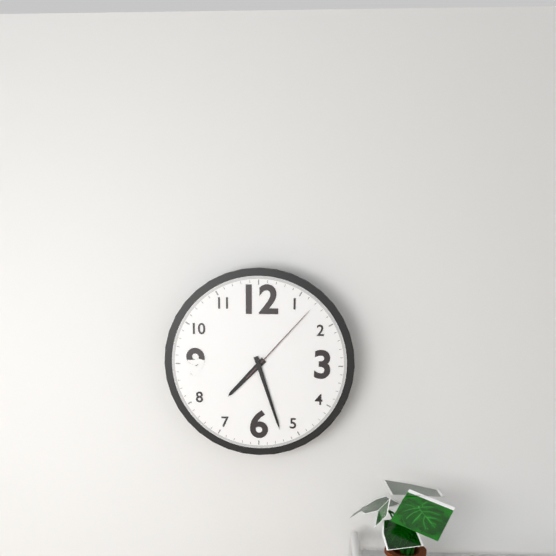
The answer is 7,27,07
